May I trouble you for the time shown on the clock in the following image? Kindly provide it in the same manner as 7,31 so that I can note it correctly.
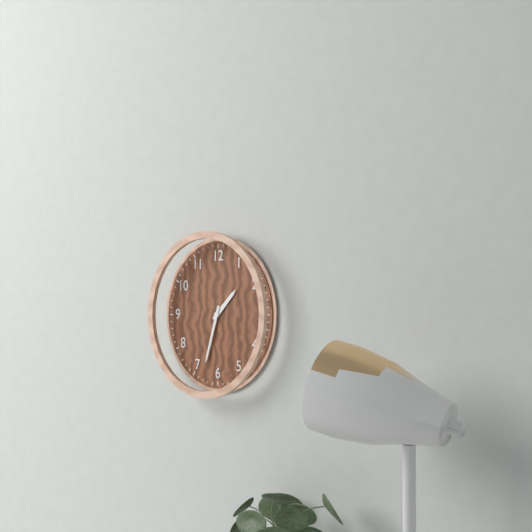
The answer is 1,33
